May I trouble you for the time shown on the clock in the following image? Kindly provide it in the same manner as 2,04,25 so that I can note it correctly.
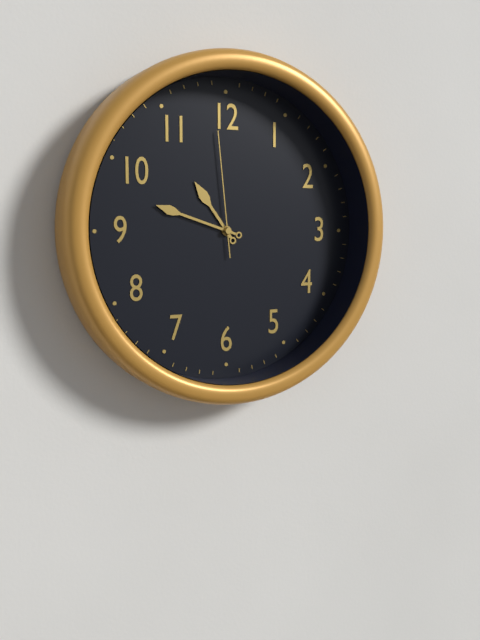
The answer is 10,48,59
